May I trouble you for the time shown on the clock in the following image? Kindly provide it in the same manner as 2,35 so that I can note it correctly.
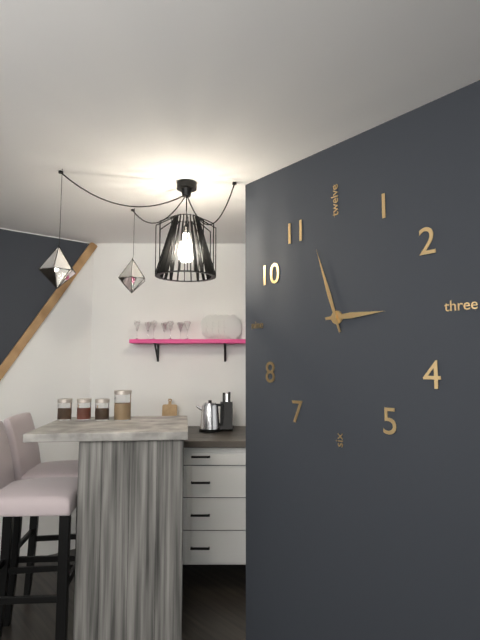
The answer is 2,57
